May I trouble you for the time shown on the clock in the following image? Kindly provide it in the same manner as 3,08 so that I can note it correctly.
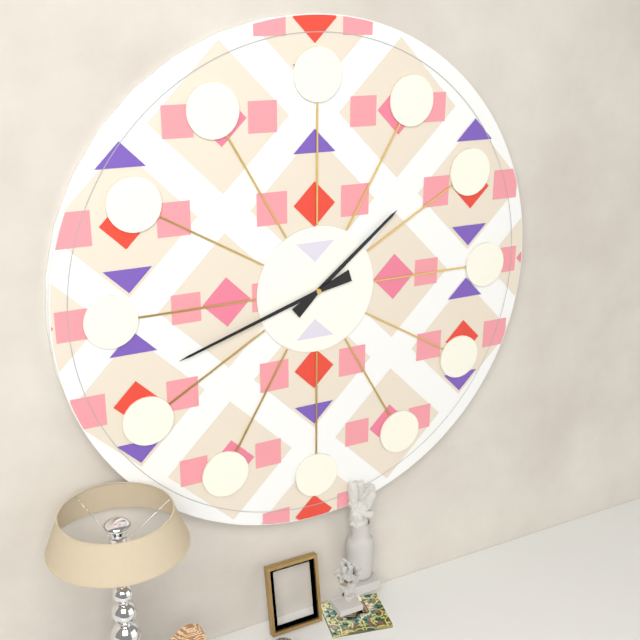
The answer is 1,42
